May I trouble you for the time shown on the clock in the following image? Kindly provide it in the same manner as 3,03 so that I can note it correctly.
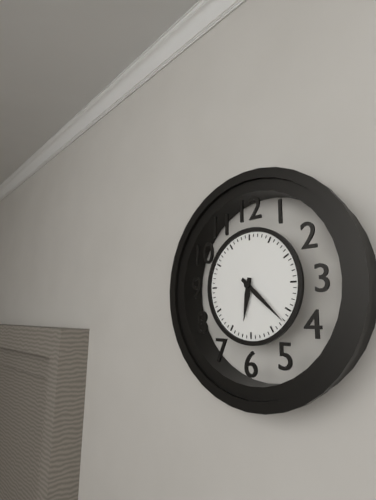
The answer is 6,22
